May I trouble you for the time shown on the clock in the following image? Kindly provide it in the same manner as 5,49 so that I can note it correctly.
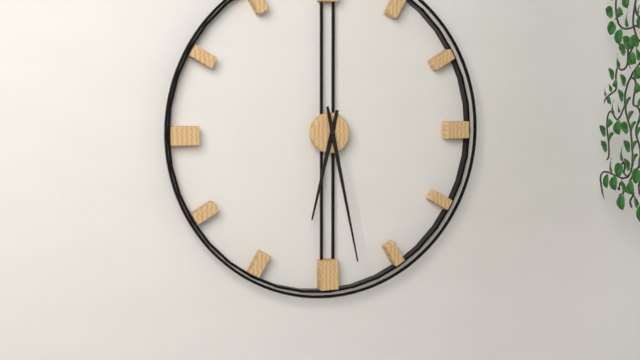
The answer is 6,28
